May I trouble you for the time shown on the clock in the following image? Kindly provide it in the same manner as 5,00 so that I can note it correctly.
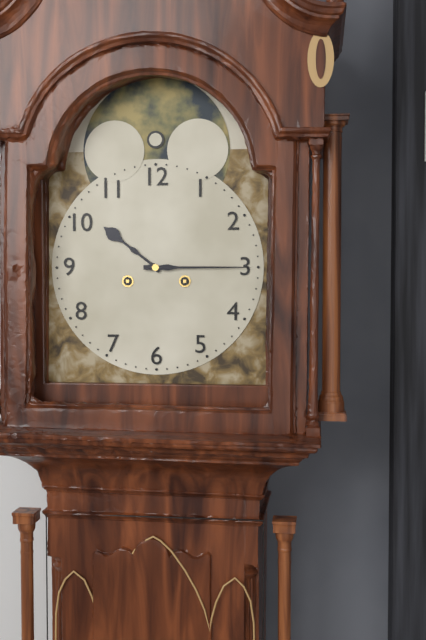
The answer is 10,15
